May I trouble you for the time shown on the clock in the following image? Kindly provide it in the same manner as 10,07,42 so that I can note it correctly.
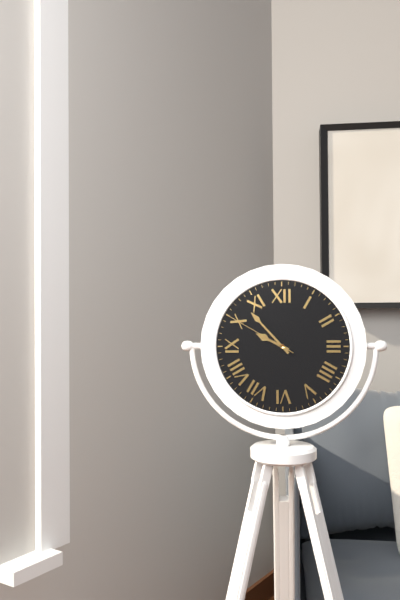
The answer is 9,53,50
